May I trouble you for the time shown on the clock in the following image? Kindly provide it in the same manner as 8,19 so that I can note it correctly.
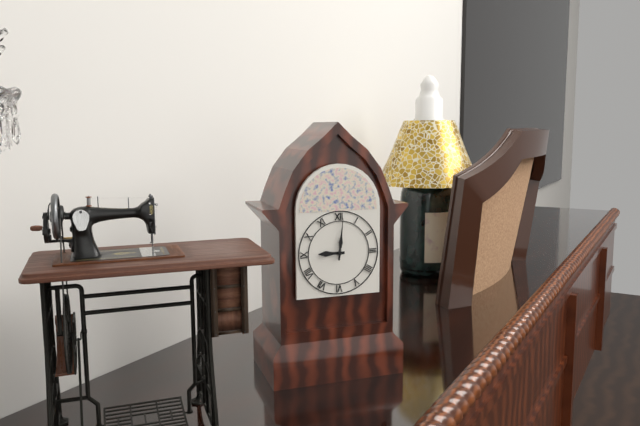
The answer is 9,01
